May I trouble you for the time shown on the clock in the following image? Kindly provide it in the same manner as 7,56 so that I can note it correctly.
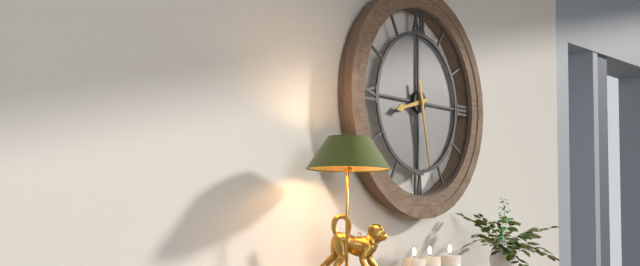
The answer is 8,28
